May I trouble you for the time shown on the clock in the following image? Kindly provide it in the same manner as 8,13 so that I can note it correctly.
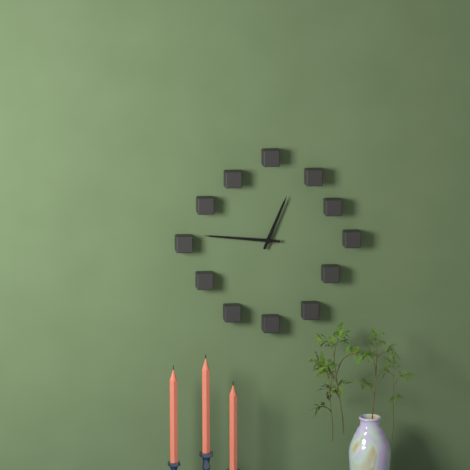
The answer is 12,46
